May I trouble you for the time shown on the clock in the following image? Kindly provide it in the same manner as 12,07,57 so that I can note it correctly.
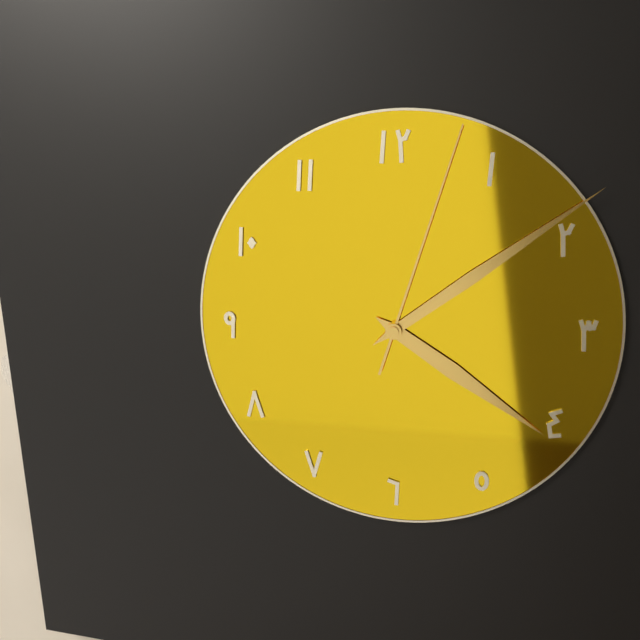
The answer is 4,09,03
